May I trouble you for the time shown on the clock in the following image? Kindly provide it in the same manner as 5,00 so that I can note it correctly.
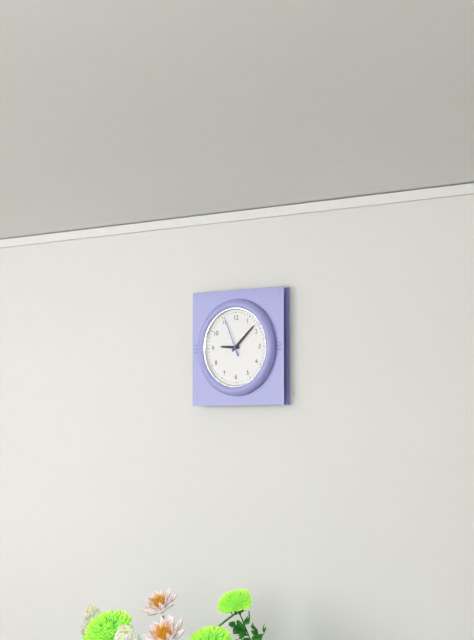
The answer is 9,08
